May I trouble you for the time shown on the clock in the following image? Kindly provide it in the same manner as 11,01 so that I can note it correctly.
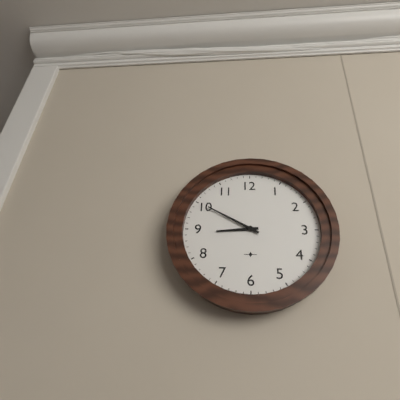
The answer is 8,50
